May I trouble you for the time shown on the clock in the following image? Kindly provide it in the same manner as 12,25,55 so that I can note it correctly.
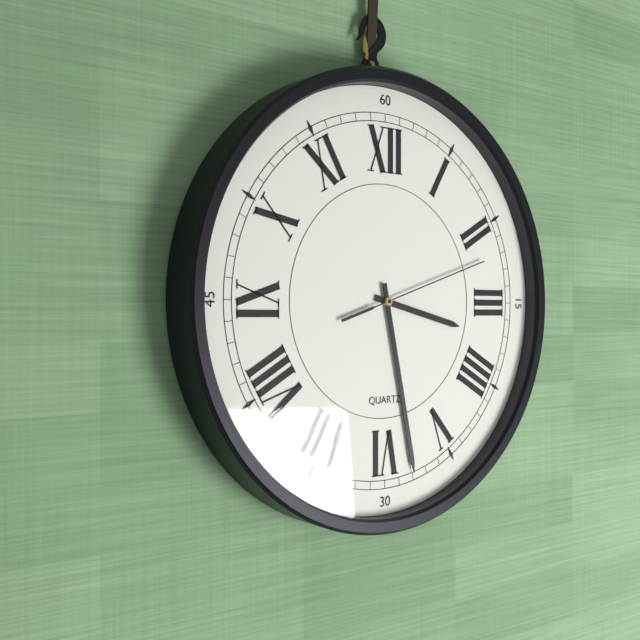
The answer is 3,28,12
